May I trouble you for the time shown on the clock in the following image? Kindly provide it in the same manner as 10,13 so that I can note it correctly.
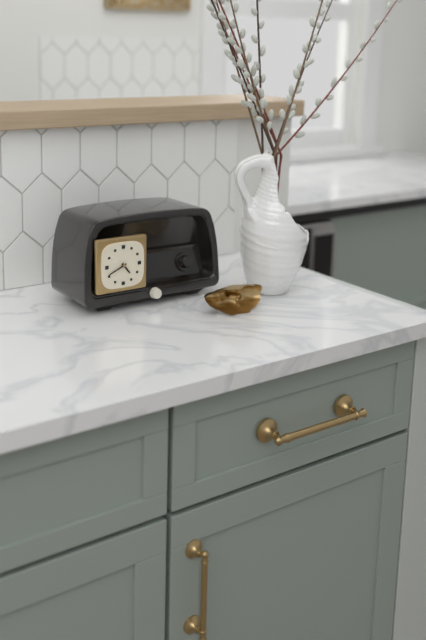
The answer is 4,41
